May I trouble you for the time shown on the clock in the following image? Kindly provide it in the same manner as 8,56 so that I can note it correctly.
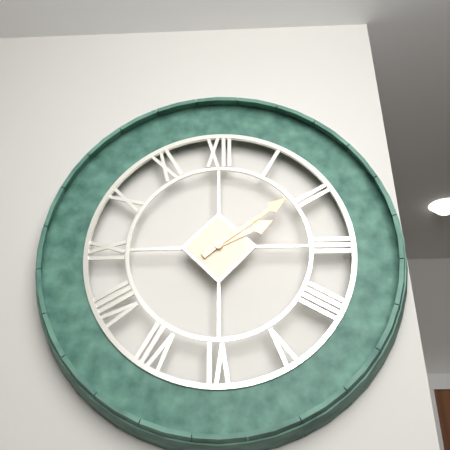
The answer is 2,09
